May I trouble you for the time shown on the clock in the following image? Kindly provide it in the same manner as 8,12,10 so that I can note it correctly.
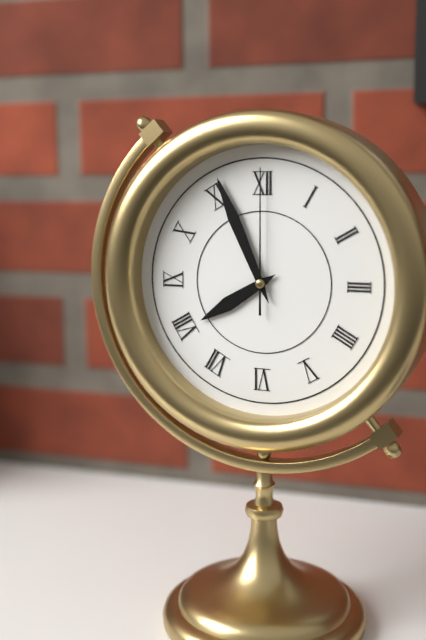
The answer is 7,56,00
